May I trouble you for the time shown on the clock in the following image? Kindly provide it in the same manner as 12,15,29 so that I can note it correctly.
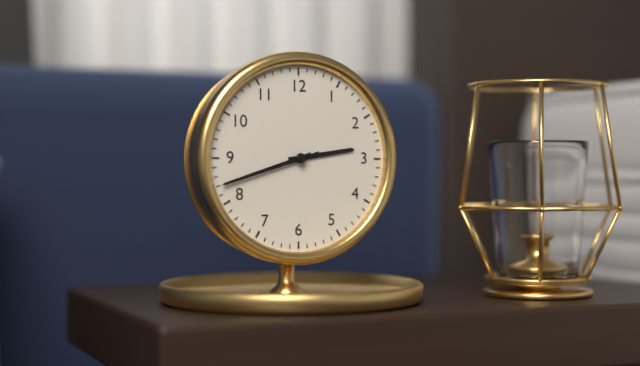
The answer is 2,42,42
